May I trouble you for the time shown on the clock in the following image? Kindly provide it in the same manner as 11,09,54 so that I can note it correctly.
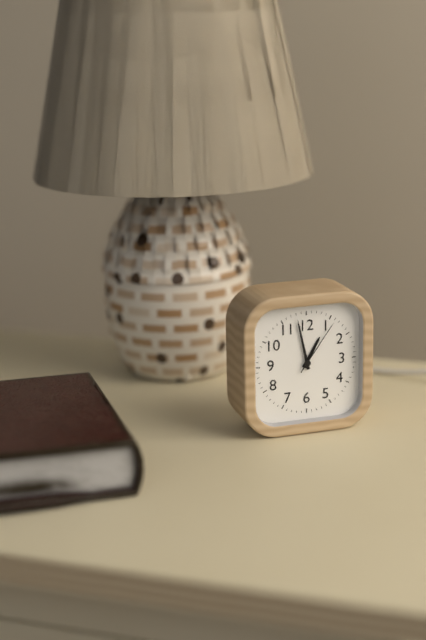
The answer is 12,58,06
